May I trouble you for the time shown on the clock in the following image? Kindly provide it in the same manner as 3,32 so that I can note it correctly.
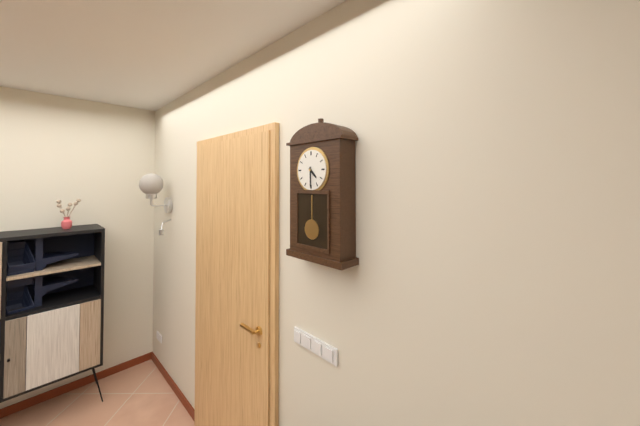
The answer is 4,30
